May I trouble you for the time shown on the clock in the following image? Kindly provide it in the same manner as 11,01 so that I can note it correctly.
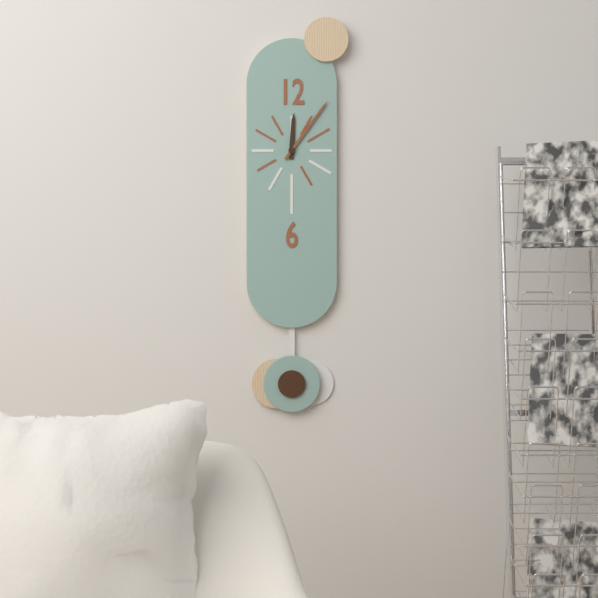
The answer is 12,06
